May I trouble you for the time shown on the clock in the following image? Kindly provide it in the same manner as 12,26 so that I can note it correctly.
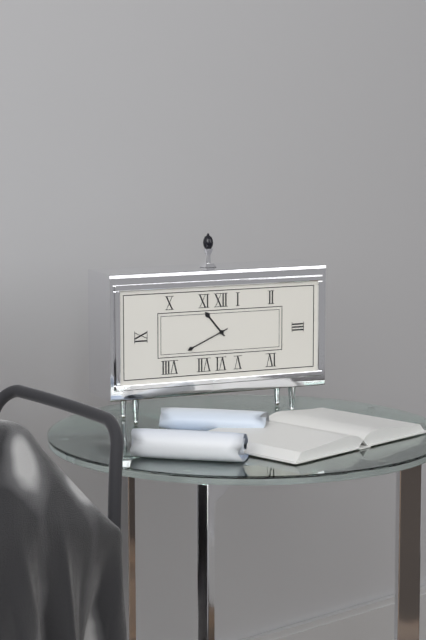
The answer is 10,41
